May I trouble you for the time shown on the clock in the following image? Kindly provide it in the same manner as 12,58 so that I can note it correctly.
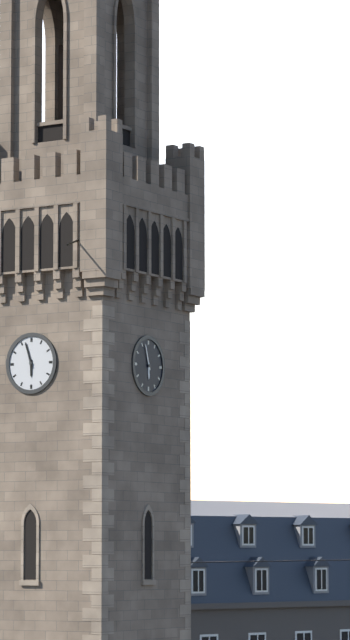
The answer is 5,57
